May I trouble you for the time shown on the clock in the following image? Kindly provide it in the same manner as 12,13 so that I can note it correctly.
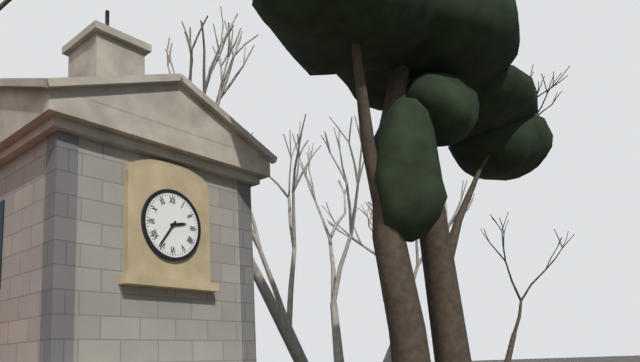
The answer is 2,36
